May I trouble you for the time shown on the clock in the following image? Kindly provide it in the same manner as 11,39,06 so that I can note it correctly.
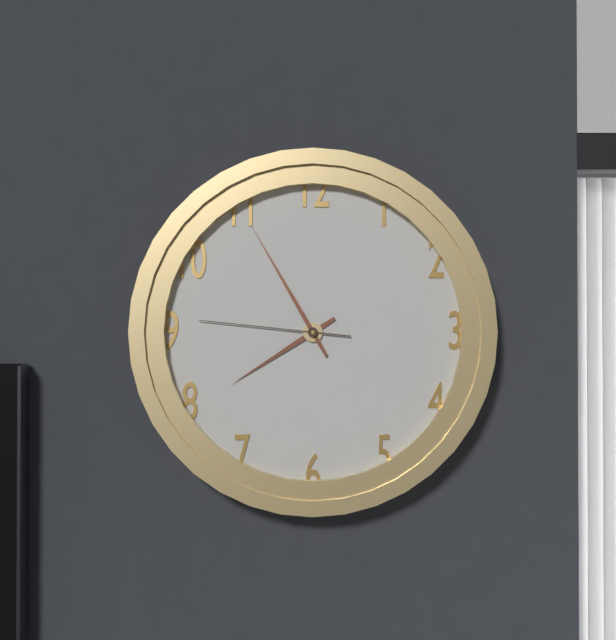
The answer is 7,55,46
